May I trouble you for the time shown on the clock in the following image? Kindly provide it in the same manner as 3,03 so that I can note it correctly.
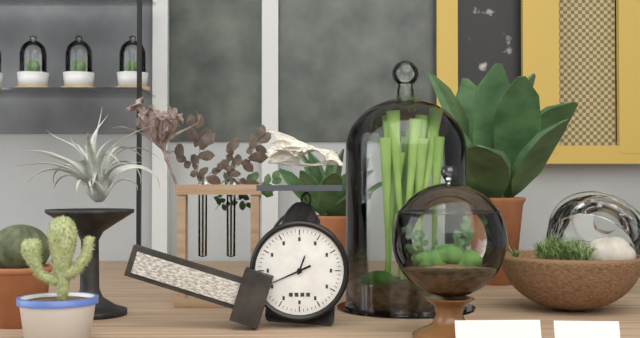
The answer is 12,41
